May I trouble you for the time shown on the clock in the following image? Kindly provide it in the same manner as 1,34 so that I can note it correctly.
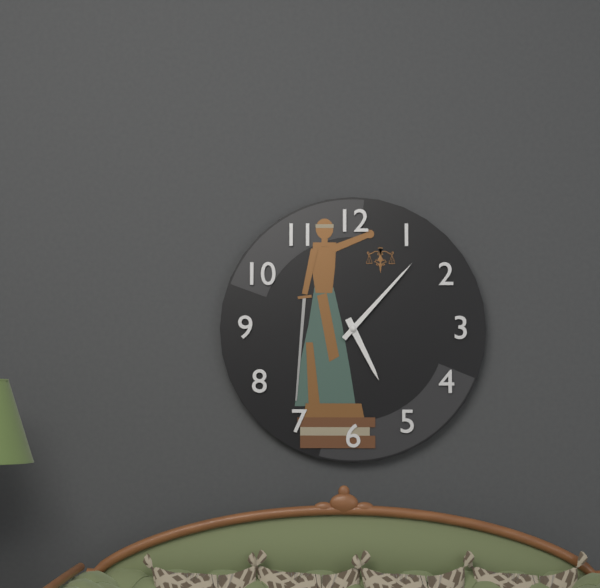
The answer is 5,07
